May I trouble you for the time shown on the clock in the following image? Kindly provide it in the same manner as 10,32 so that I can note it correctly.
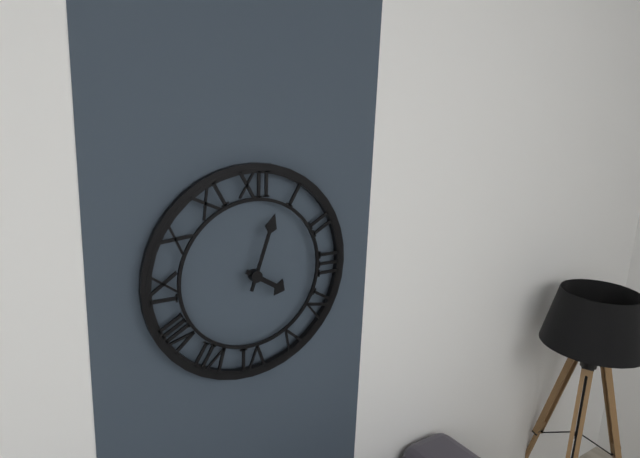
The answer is 4,03
